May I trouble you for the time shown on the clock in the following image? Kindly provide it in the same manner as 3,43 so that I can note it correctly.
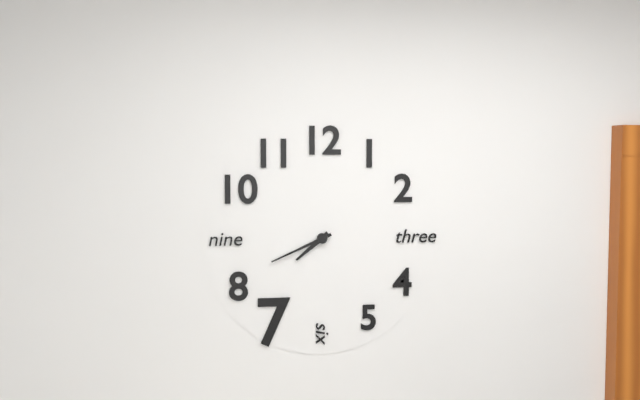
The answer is 7,41
